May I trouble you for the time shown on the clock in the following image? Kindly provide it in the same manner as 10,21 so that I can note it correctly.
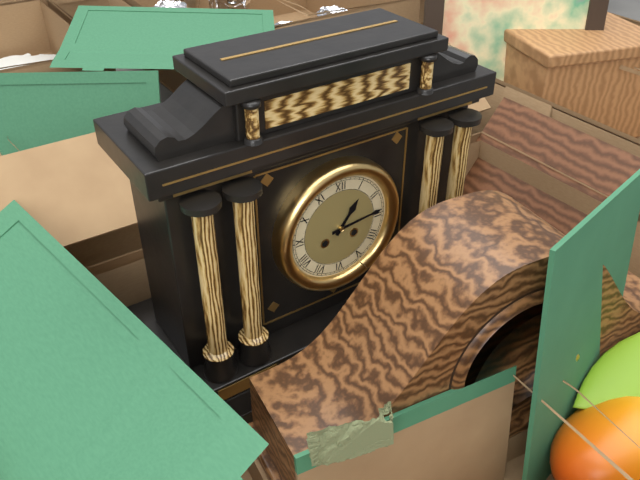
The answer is 1,14
